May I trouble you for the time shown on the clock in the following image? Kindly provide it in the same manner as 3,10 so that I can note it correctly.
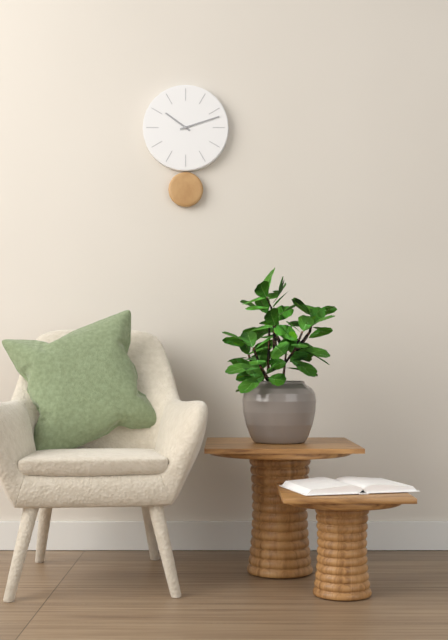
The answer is 10,12
